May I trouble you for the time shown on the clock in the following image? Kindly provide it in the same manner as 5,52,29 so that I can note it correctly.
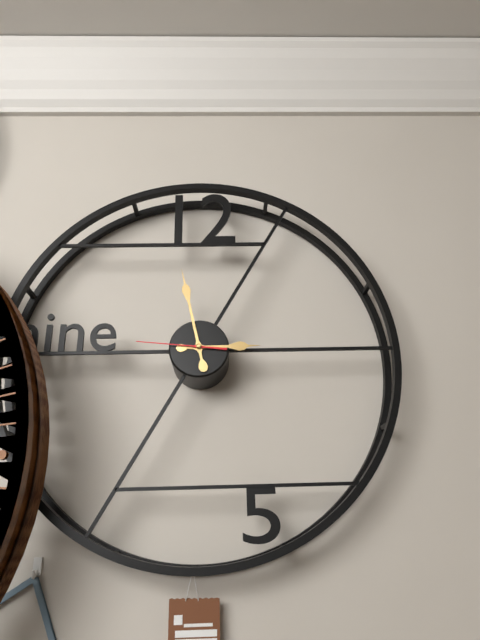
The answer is 2,58,46
